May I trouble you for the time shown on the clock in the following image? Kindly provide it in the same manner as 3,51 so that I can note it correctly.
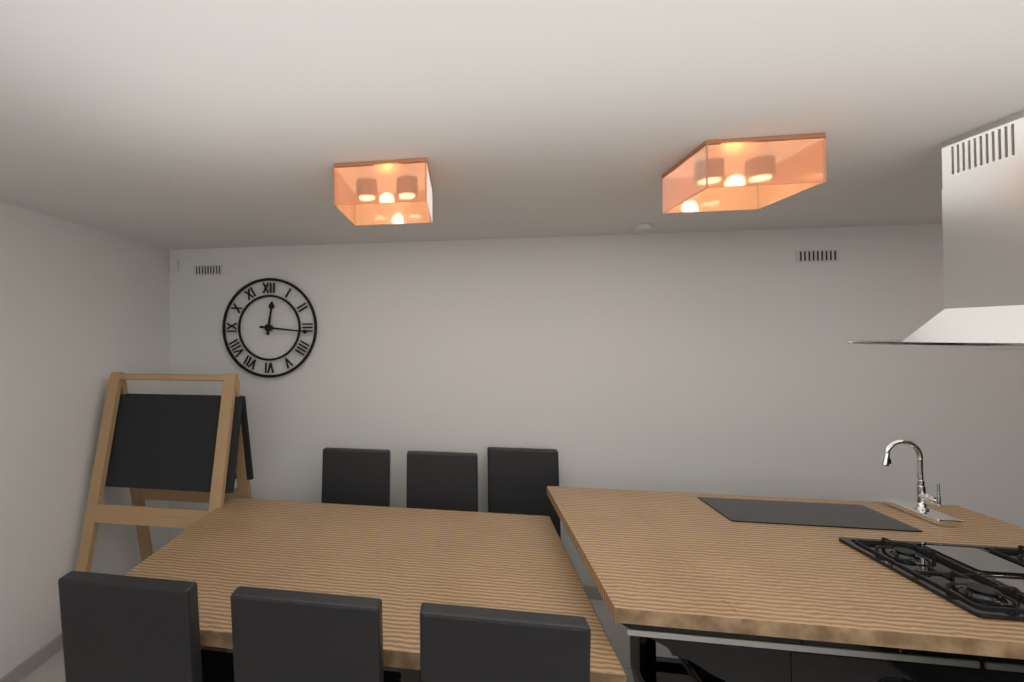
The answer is 12,16
